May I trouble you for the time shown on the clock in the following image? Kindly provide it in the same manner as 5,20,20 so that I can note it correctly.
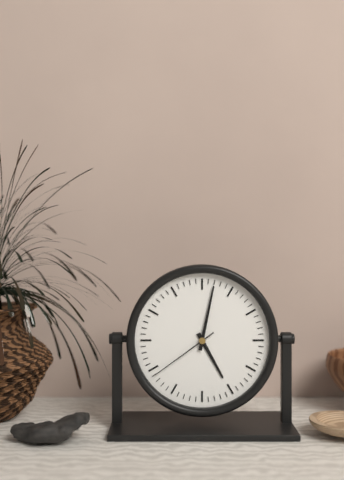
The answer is 5,02,39
